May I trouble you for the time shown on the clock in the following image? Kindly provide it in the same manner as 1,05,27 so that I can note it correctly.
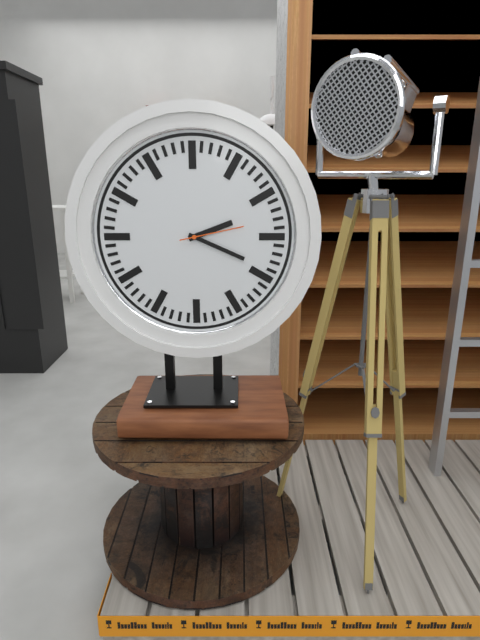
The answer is 2,19,13
